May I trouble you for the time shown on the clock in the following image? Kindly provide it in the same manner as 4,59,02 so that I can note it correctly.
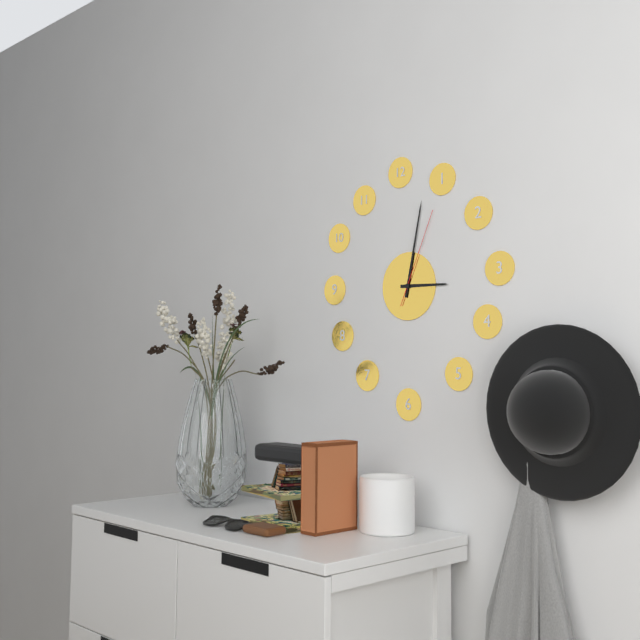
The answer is 3,02,04
